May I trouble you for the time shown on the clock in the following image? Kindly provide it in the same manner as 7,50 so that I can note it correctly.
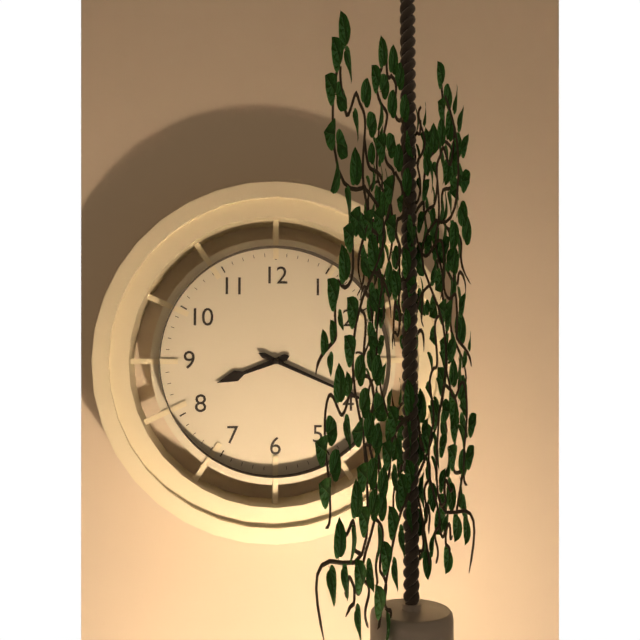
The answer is 8,19
